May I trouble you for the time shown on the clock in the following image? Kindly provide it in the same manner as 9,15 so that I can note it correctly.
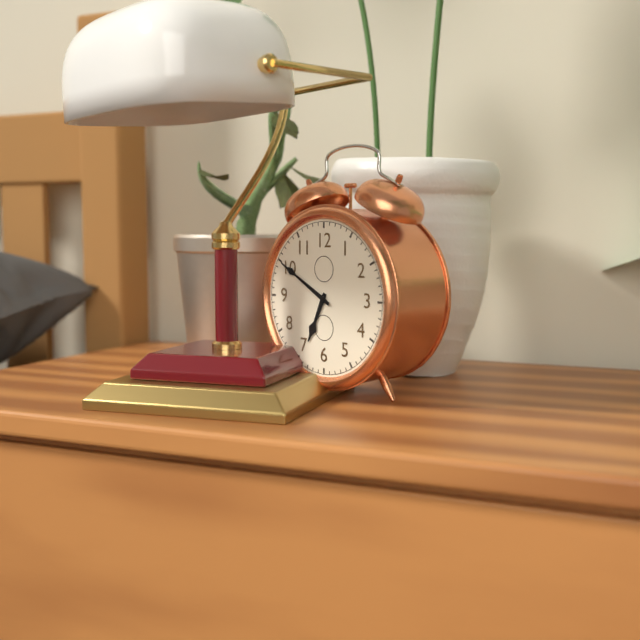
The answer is 6,50
